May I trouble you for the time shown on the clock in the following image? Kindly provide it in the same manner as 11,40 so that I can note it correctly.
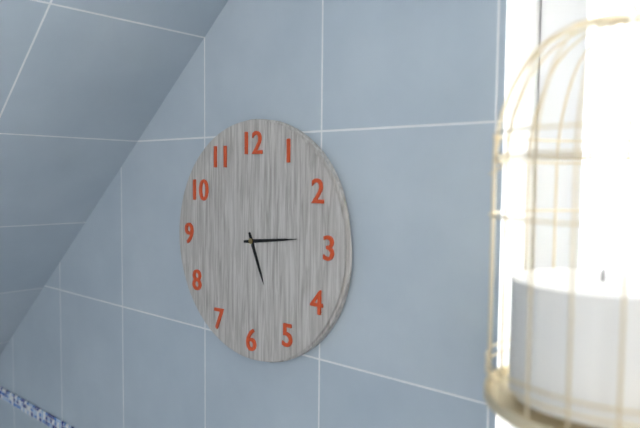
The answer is 5,14
